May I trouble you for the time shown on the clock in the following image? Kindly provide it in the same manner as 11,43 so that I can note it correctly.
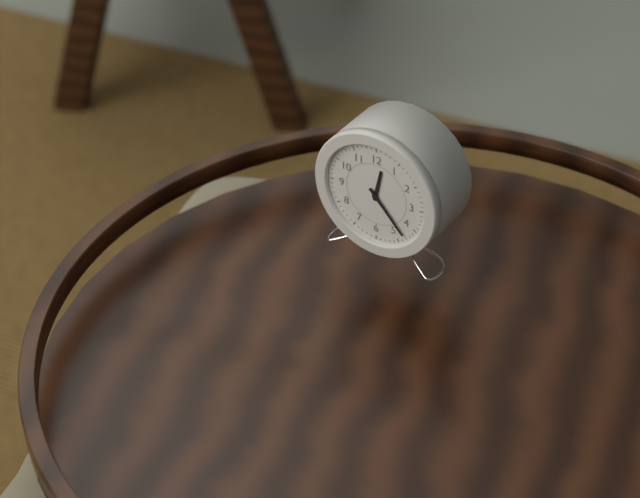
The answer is 12,23
